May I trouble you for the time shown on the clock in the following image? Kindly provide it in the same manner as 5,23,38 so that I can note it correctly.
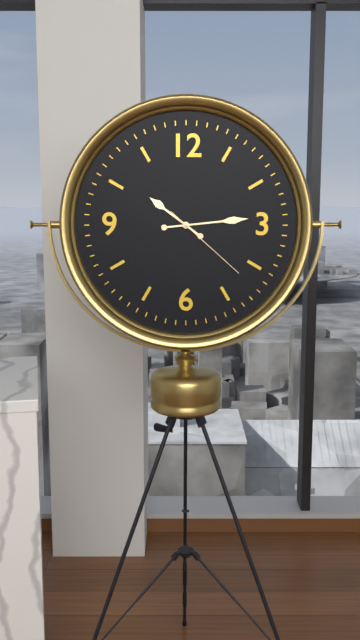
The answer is 10,14,22
